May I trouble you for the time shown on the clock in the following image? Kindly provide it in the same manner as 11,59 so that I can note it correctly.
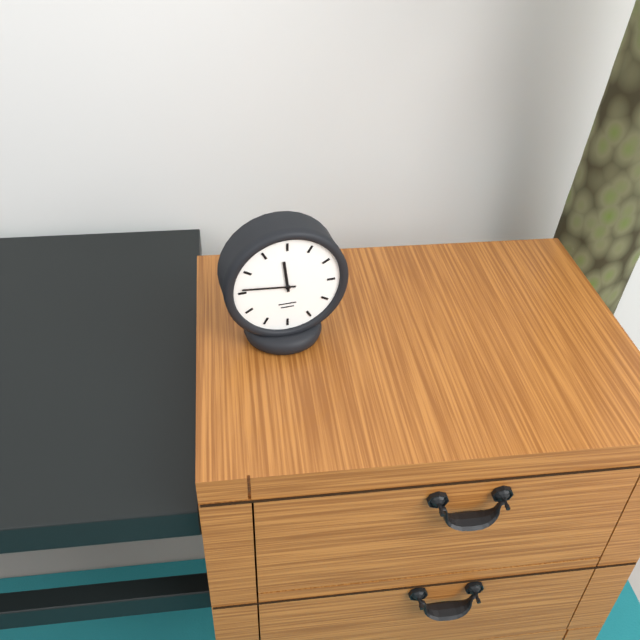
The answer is 11,46
